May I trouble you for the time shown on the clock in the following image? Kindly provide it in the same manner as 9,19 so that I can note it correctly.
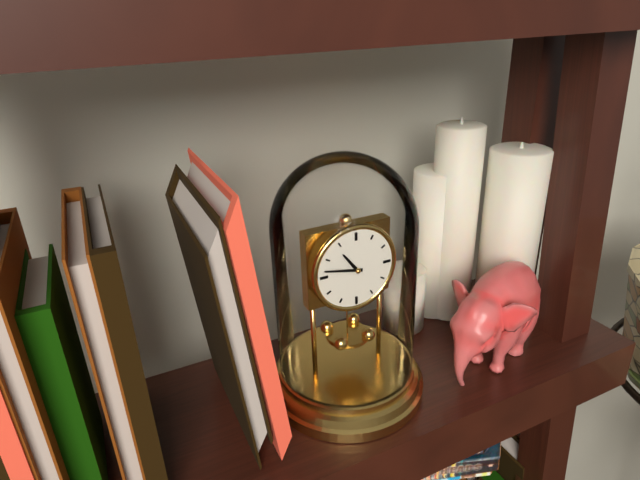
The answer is 10,47
